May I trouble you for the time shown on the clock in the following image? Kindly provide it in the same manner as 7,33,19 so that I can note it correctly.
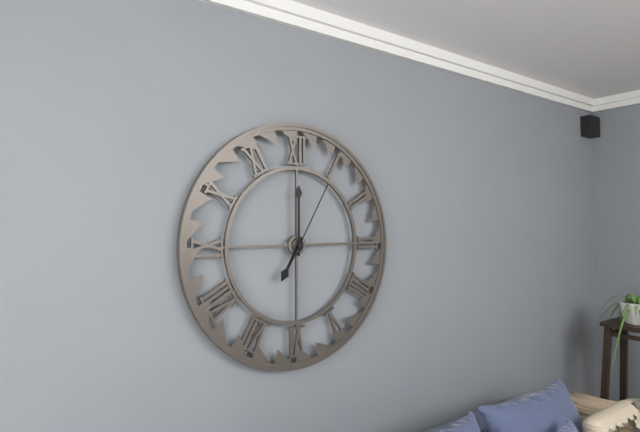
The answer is 7,00,05
